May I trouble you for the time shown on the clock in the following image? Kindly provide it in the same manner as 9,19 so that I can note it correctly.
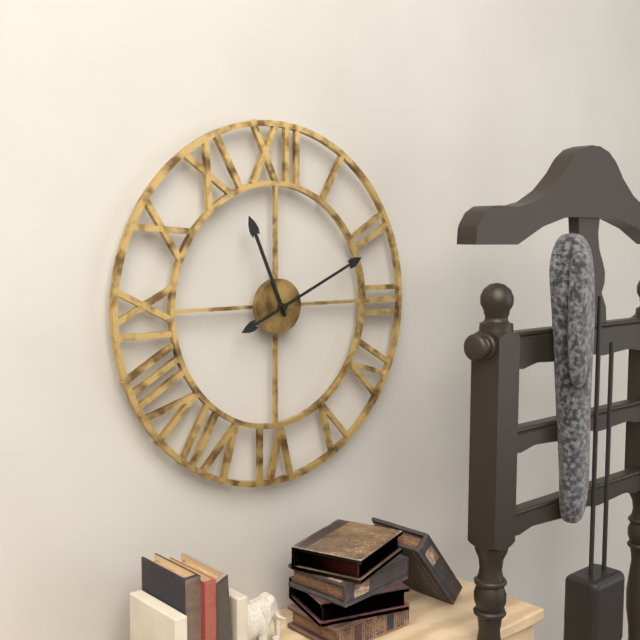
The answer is 11,11
